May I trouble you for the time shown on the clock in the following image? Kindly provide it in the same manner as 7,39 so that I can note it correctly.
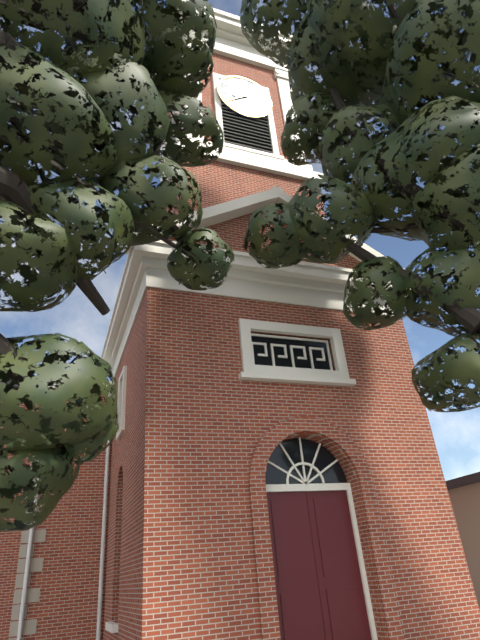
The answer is 8,39
